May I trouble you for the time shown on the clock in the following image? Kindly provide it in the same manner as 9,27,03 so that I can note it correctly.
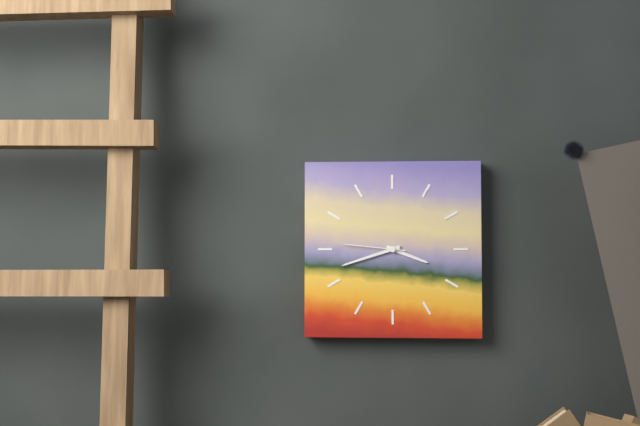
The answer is 3,42,46
